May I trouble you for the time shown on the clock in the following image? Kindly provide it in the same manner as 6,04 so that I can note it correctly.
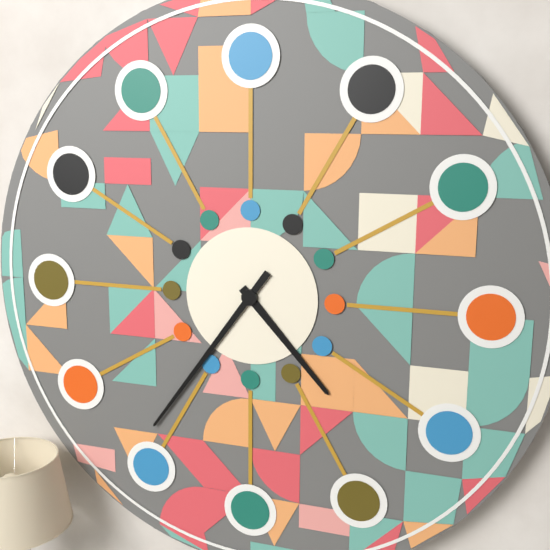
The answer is 4,36
